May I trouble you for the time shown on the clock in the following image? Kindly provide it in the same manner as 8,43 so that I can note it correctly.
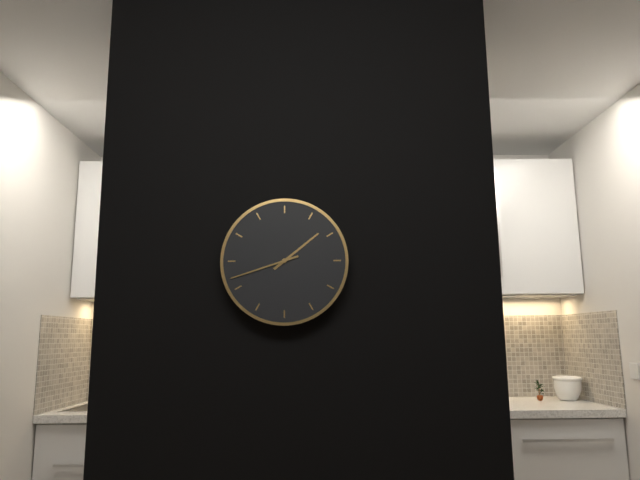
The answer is 1,42
